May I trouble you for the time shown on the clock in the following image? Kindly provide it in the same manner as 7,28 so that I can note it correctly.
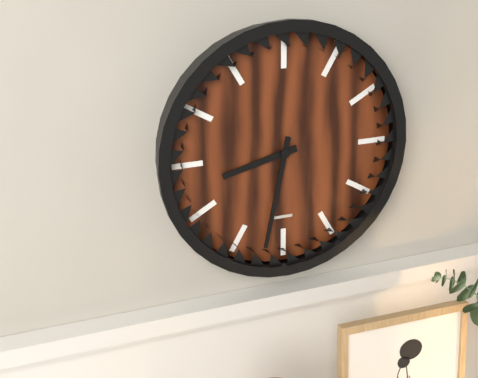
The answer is 8,32
